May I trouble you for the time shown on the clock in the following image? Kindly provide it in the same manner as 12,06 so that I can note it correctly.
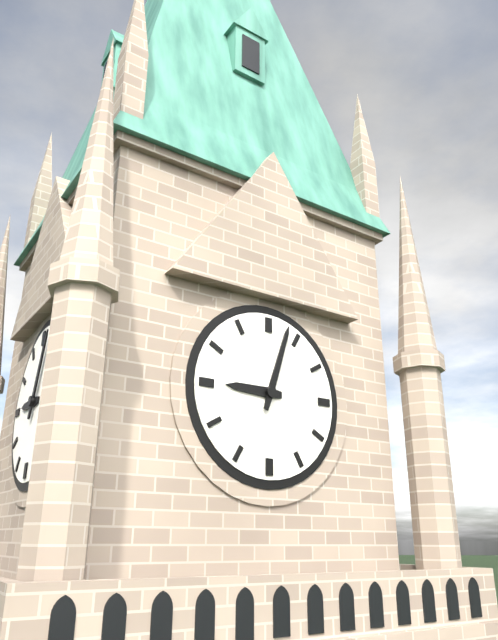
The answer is 9,03
